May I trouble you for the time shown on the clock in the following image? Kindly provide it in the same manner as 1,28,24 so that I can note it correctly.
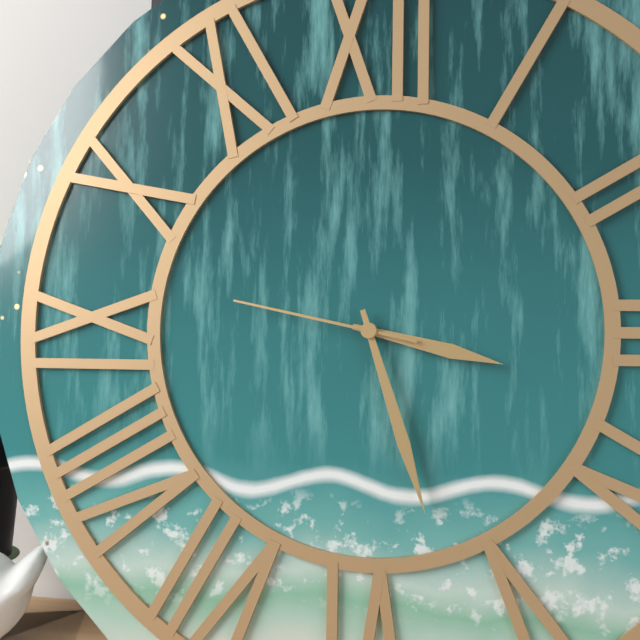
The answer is 3,27,47
